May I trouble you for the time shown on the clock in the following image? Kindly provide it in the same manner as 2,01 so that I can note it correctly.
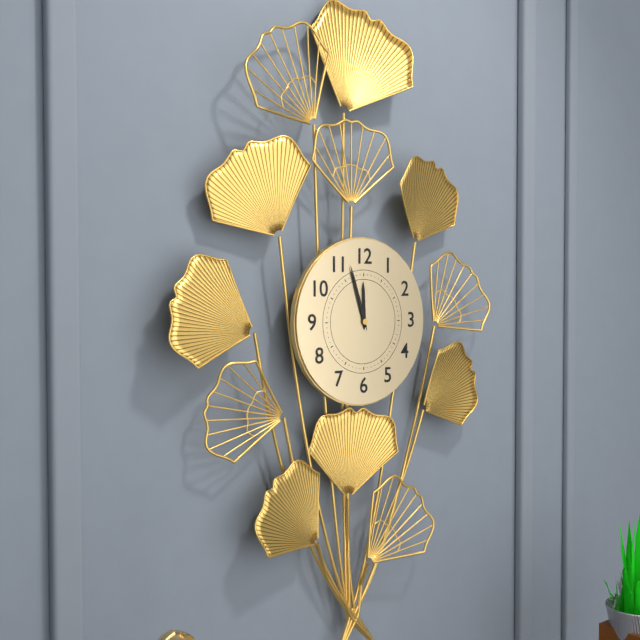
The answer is 11,57
